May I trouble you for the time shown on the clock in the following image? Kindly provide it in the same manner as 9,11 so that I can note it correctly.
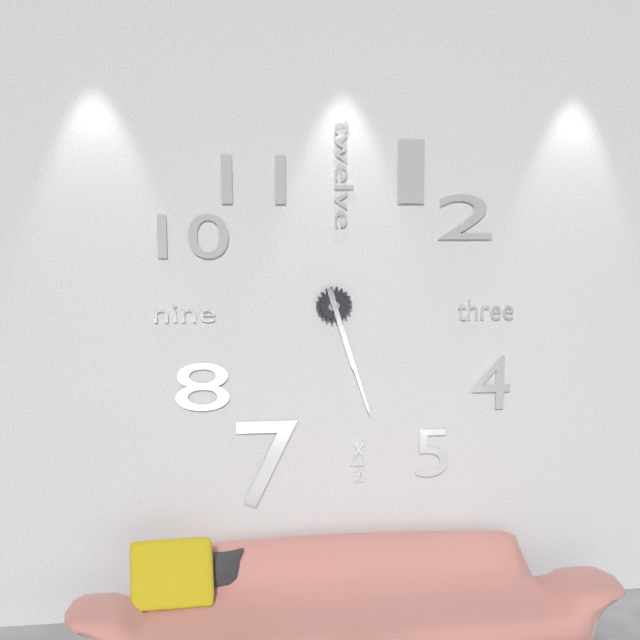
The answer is 5,27
